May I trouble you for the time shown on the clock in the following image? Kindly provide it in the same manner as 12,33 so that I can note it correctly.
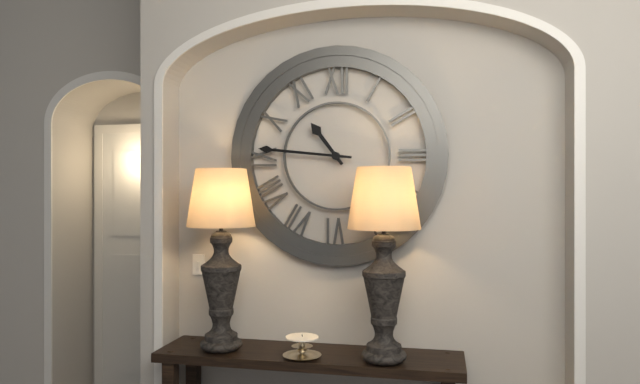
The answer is 10,46
